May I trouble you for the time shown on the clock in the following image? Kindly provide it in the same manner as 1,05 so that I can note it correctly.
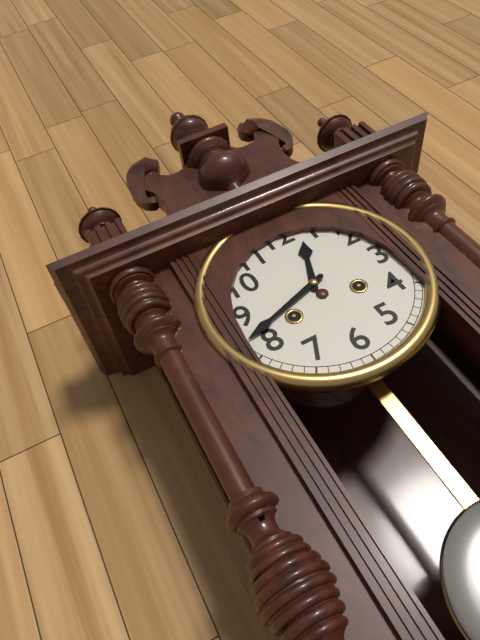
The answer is 12,42
